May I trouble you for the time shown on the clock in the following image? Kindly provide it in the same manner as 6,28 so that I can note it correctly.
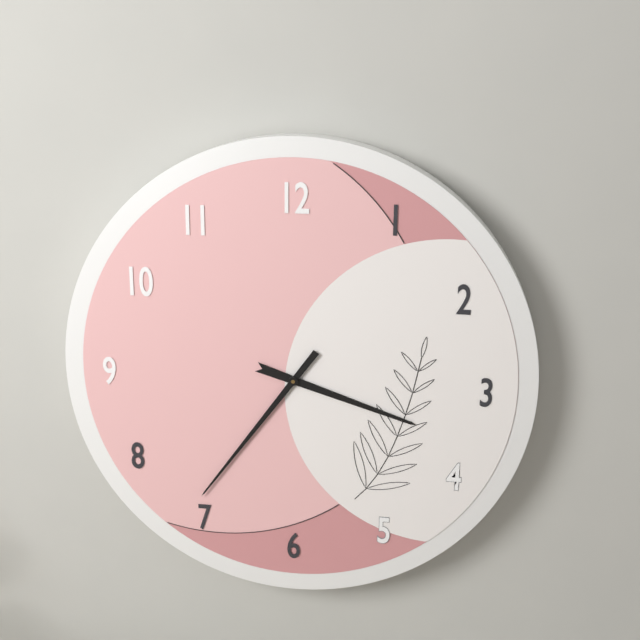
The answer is 3,36
